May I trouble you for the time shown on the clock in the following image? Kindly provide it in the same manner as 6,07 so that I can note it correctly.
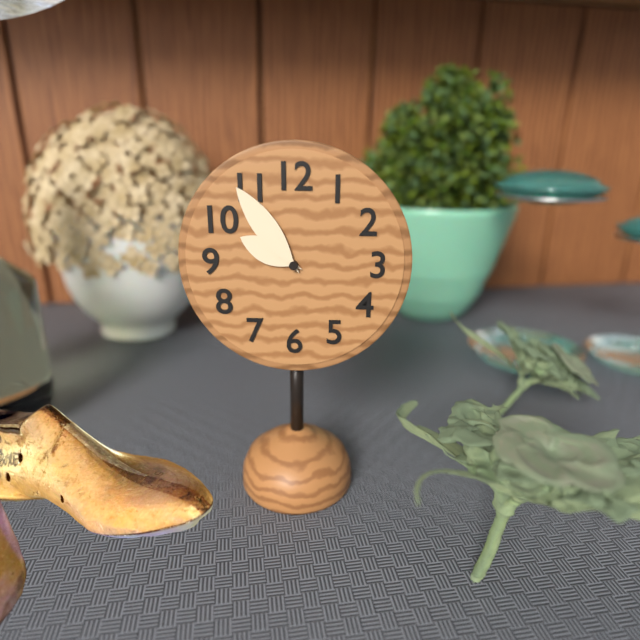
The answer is 9,54
